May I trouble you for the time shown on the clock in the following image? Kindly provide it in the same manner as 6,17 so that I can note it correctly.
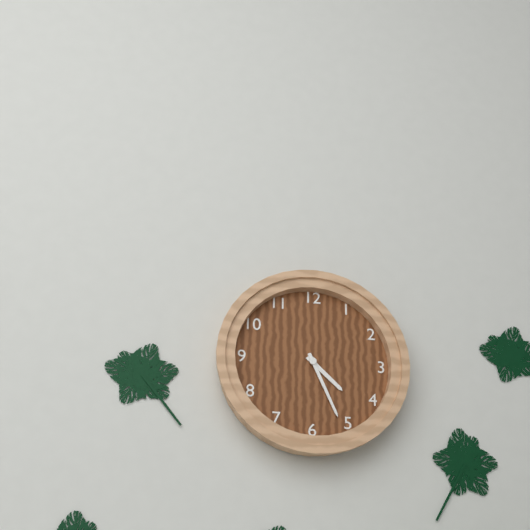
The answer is 4,26
